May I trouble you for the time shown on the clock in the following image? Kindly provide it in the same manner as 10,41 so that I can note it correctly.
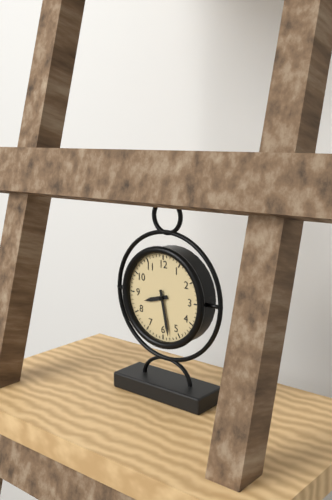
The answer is 8,28
